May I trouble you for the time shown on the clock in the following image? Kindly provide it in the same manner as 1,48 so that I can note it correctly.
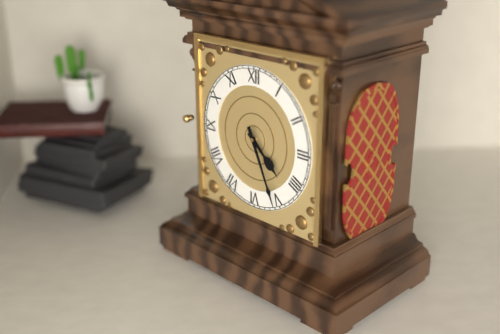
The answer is 4,26
